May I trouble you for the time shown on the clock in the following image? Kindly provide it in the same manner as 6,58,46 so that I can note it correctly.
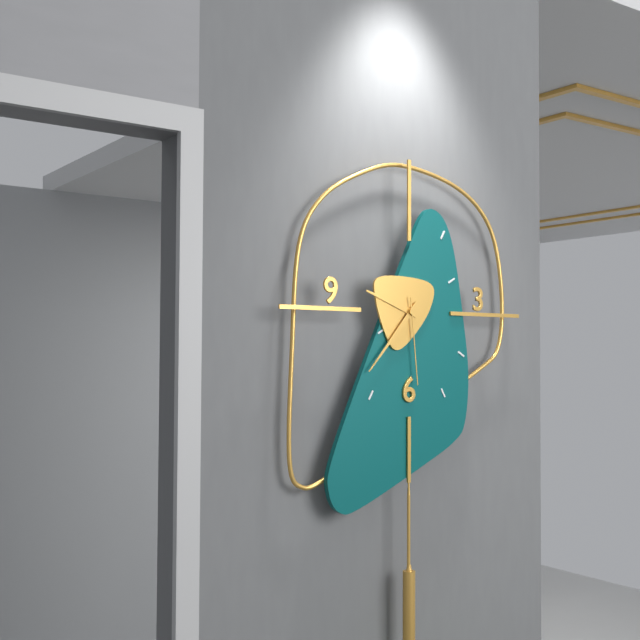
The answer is 9,37,29
